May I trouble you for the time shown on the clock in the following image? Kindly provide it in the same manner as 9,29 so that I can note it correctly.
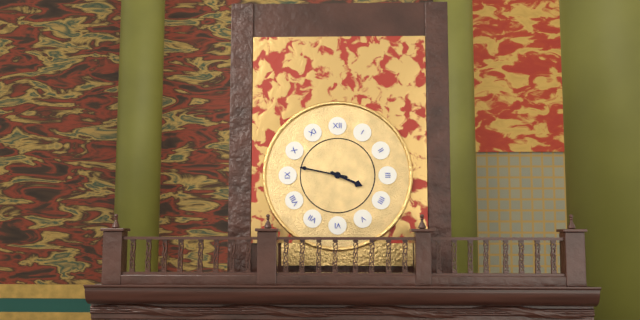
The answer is 3,47
